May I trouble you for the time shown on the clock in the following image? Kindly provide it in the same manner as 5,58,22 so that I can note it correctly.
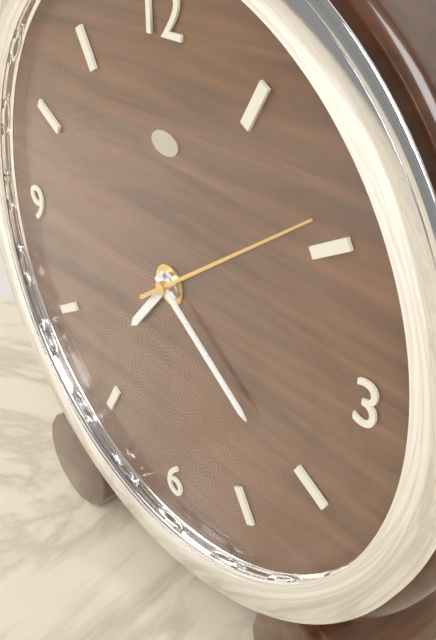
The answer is 7,21,09
